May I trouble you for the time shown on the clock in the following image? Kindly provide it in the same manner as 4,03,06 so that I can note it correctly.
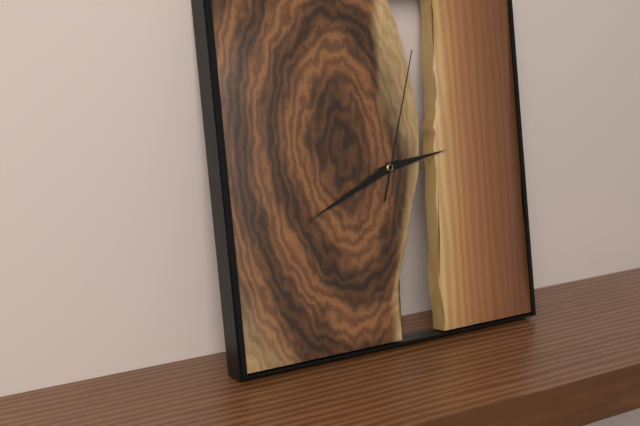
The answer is 2,41,03
